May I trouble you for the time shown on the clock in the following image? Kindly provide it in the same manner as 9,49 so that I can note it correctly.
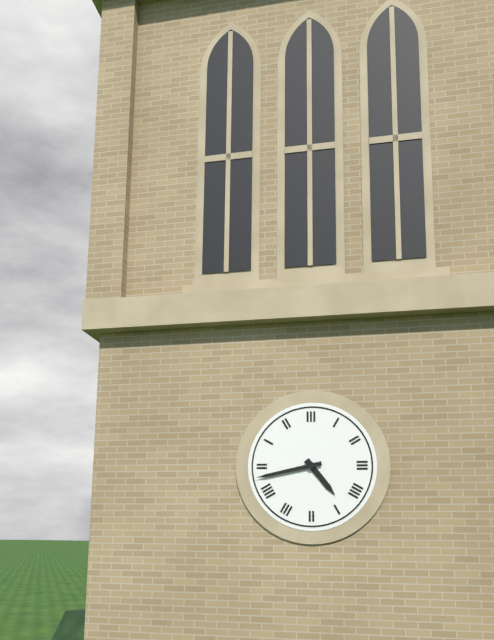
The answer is 4,43
